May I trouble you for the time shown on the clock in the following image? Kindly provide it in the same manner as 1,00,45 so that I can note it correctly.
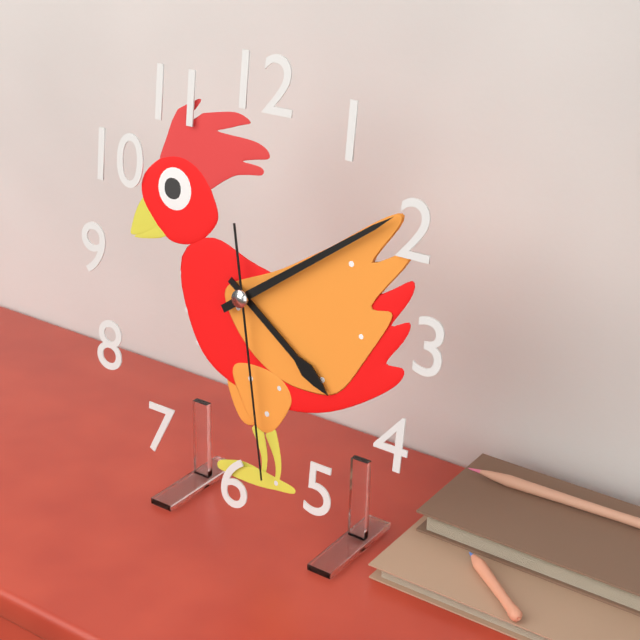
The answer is 4,09,28
